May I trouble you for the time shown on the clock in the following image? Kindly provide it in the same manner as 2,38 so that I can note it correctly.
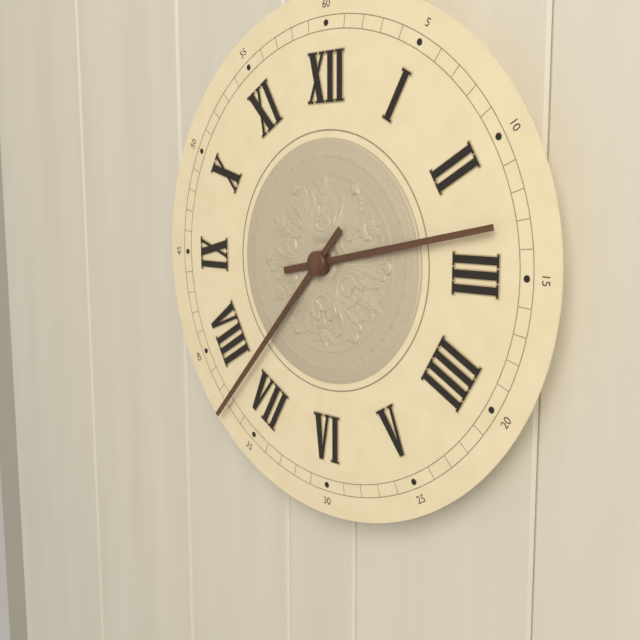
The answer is 2,37
